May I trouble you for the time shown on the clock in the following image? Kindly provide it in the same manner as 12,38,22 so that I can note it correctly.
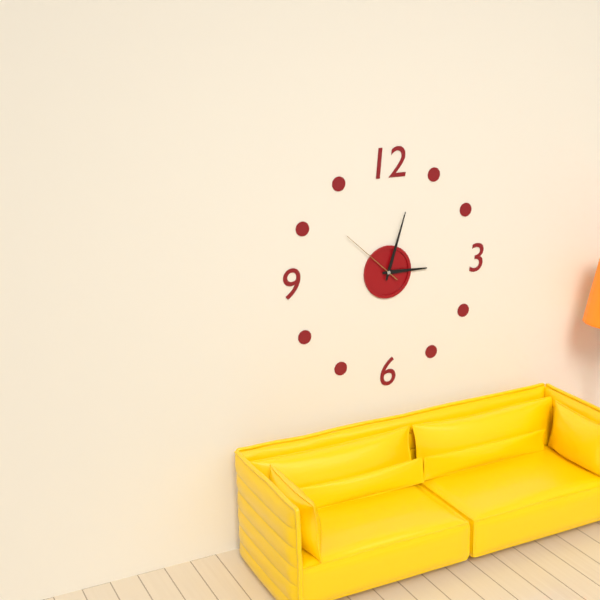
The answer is 3,03,52
